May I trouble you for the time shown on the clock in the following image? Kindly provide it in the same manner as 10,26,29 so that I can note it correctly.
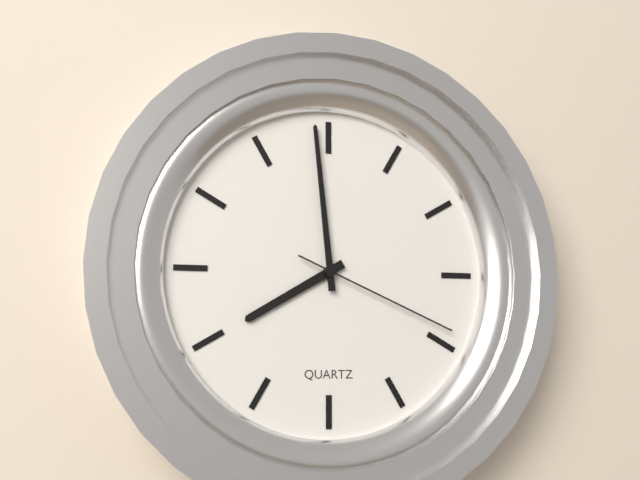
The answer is 7,59,19
